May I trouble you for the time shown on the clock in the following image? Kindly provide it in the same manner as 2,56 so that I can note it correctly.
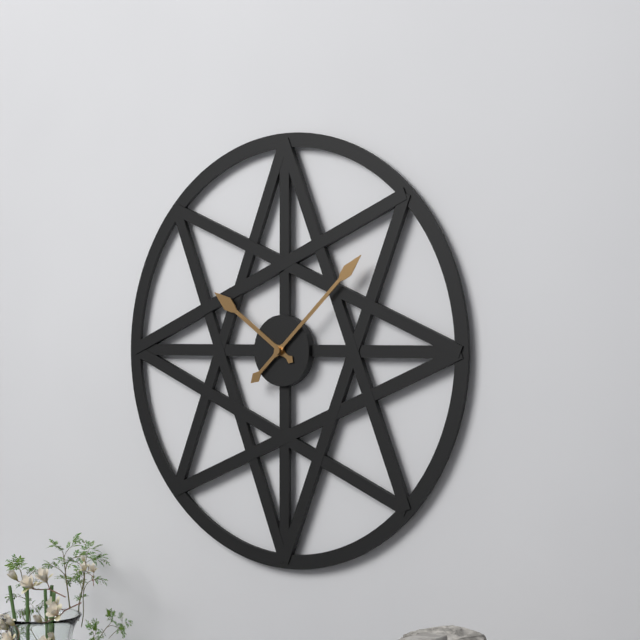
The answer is 10,08
